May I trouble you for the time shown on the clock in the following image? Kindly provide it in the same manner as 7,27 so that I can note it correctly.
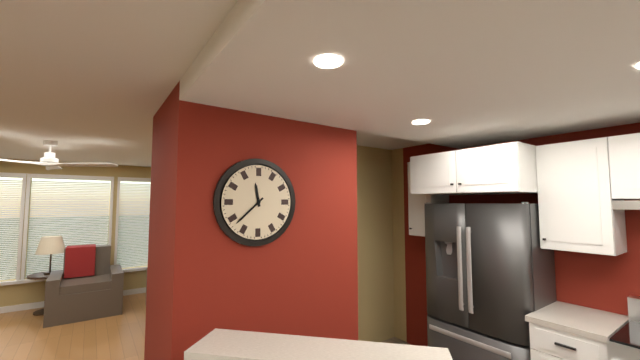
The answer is 11,38
